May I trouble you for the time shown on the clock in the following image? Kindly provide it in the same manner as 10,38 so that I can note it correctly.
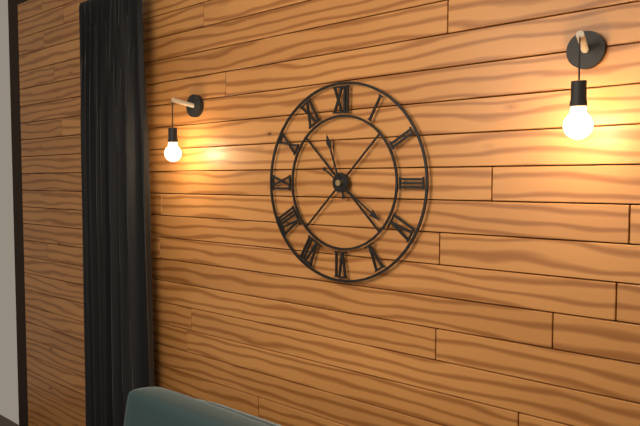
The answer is 11,21
